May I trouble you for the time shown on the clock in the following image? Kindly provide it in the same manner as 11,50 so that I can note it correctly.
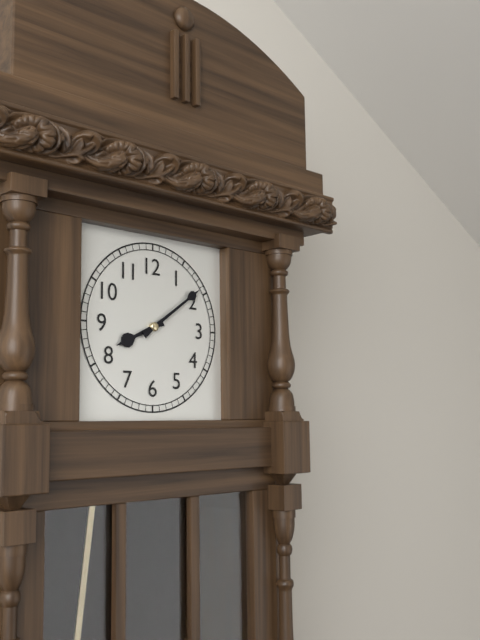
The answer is 8,09
